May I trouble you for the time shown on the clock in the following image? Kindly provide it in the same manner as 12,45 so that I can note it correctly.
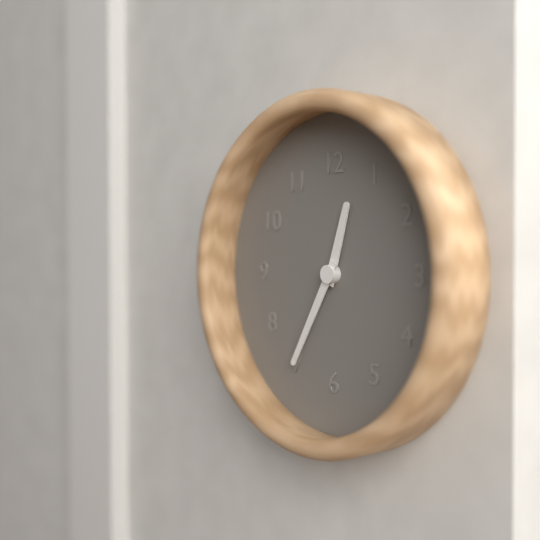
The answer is 12,35
